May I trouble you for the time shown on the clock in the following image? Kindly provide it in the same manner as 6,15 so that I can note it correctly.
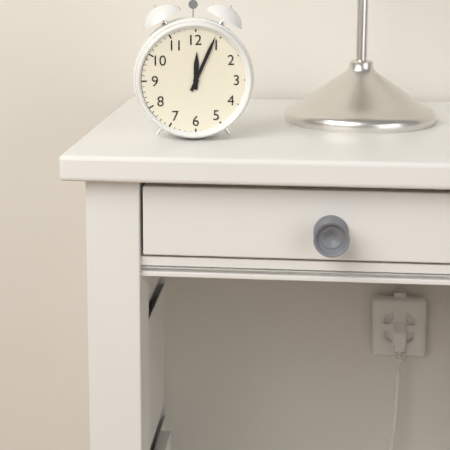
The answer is 12,04
